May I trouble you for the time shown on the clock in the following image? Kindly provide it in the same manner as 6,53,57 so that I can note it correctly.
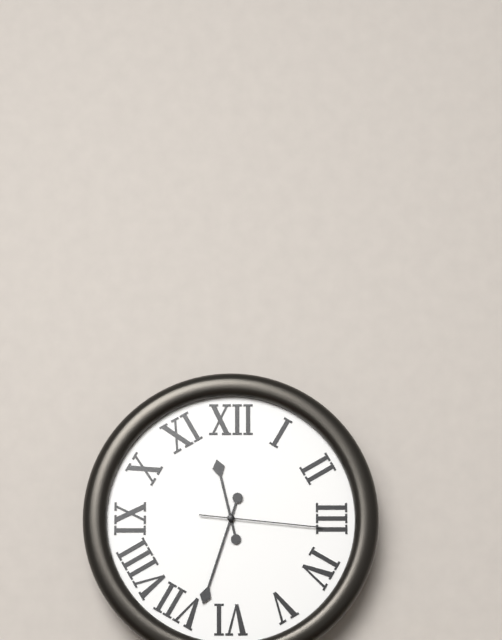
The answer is 11,33,16
